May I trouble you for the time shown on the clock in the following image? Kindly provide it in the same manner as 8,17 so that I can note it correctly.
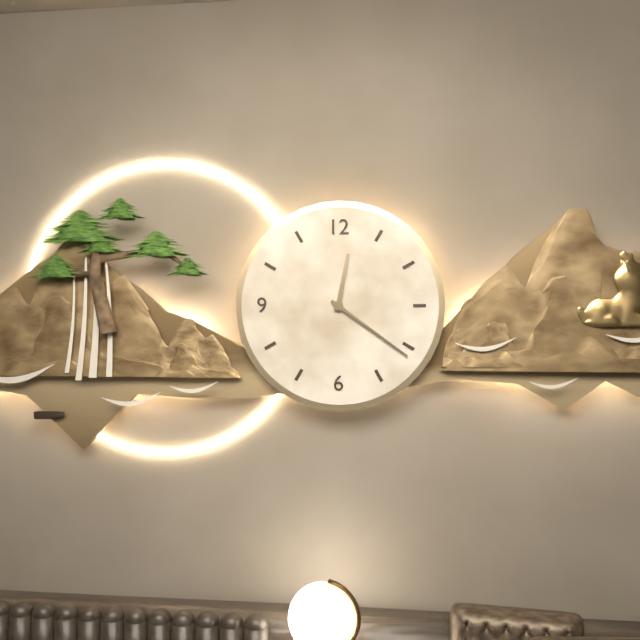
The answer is 12,21
